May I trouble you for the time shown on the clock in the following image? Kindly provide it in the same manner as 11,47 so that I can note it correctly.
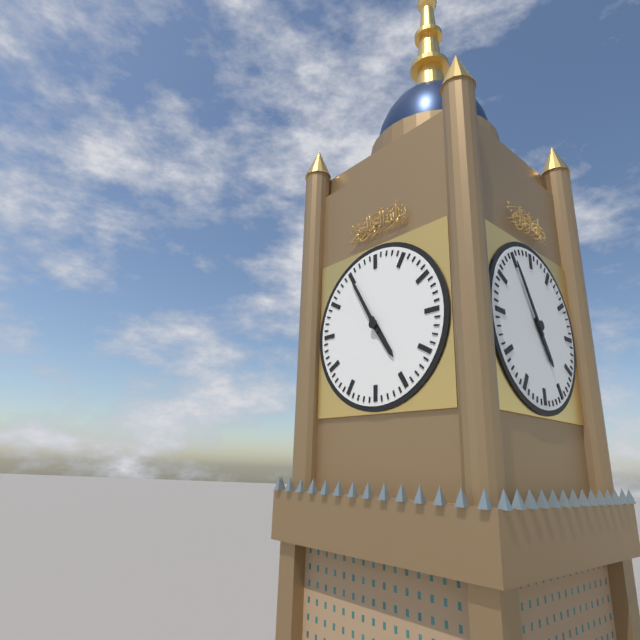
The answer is 4,55
